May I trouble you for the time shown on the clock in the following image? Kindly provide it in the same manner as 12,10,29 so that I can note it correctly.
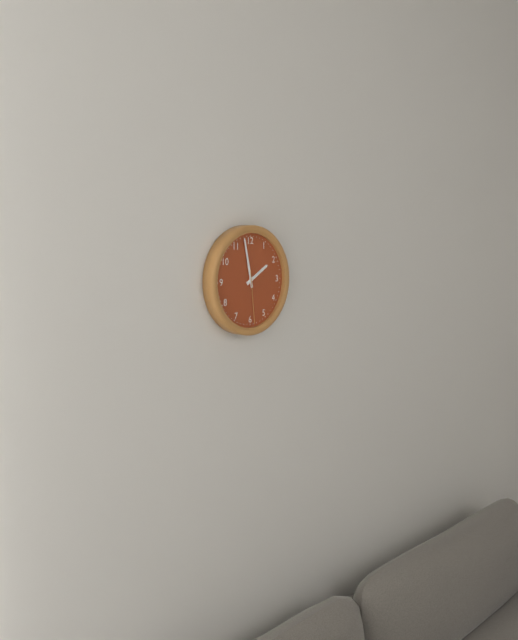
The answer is 1,58,29
